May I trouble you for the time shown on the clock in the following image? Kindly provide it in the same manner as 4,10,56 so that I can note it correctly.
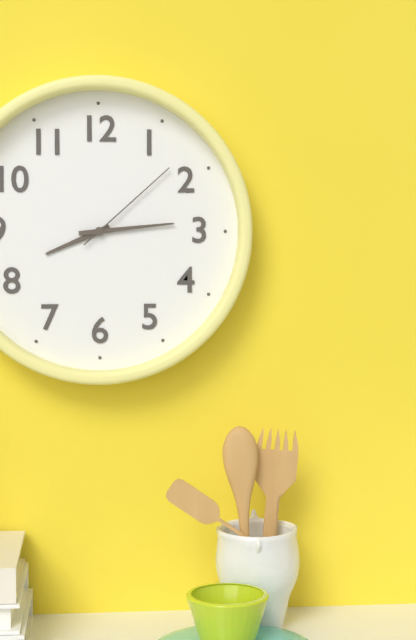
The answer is 8,14,08
